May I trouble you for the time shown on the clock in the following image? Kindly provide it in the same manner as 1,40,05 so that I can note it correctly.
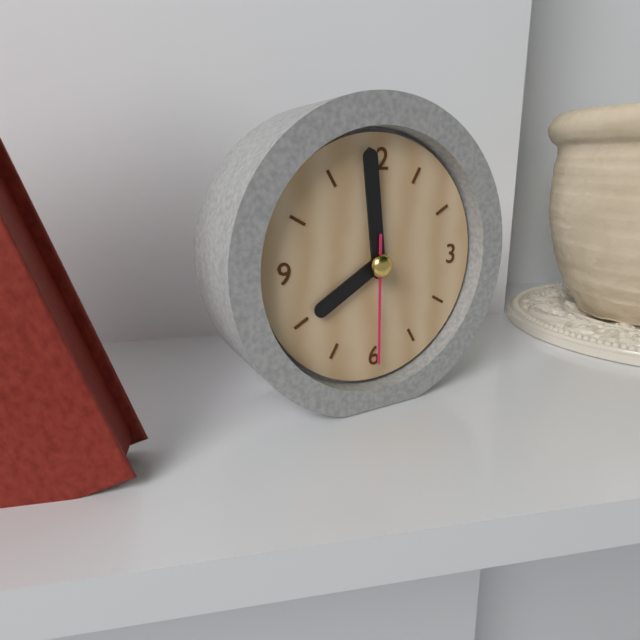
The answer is 7,59,30
